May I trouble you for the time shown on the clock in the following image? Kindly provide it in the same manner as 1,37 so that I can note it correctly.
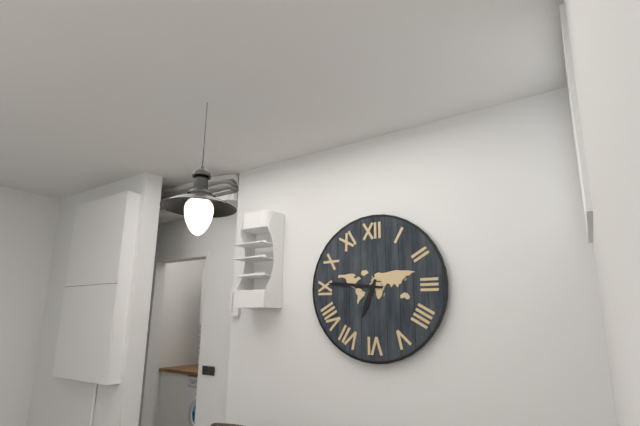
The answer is 6,46
